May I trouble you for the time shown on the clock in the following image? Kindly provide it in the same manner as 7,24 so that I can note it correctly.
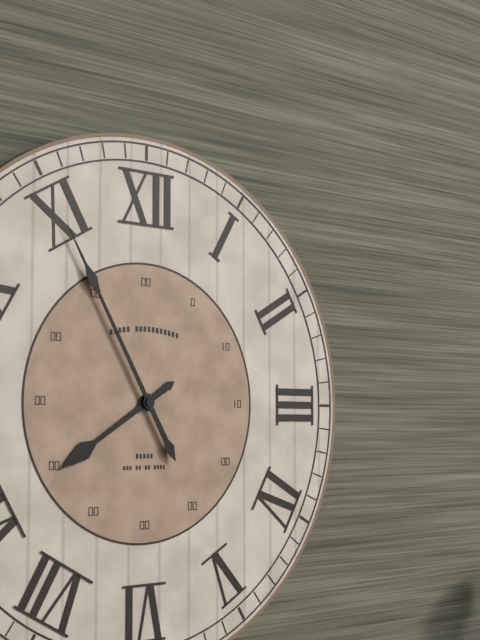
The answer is 7,55
